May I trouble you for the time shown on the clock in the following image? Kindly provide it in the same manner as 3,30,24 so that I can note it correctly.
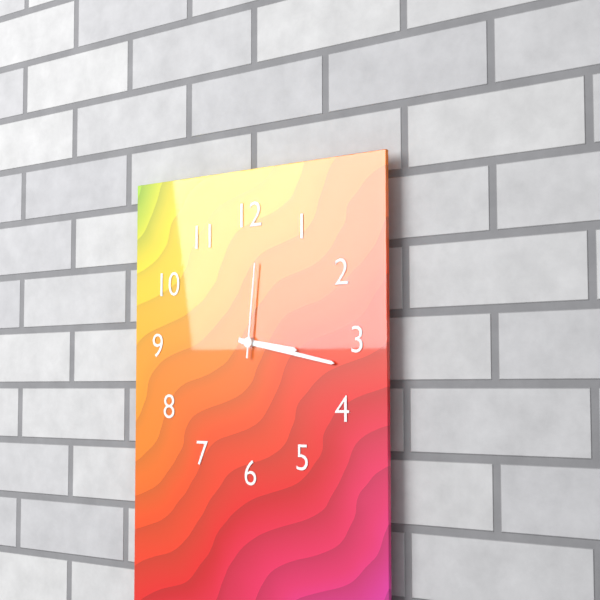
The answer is 3,17,01
